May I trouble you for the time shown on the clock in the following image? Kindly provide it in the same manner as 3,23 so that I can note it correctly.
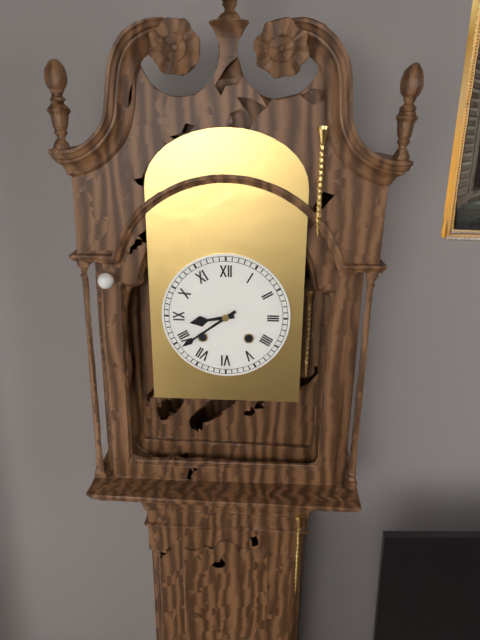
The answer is 8,39
